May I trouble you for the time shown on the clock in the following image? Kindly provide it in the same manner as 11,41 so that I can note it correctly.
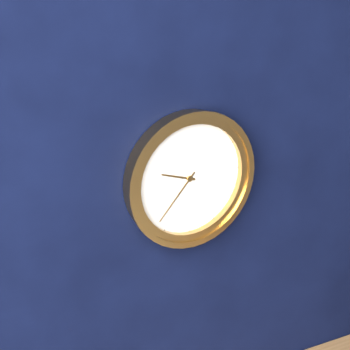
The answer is 9,37
